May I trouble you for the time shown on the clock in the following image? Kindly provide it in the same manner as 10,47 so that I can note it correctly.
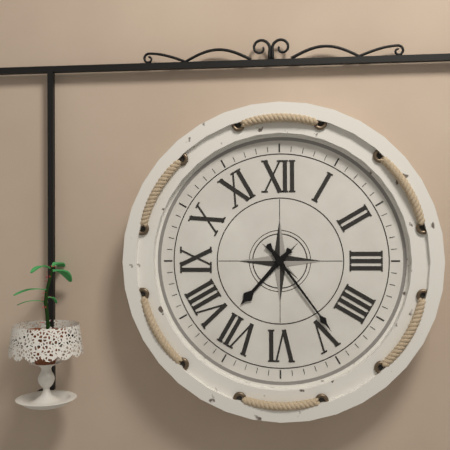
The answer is 7,24
